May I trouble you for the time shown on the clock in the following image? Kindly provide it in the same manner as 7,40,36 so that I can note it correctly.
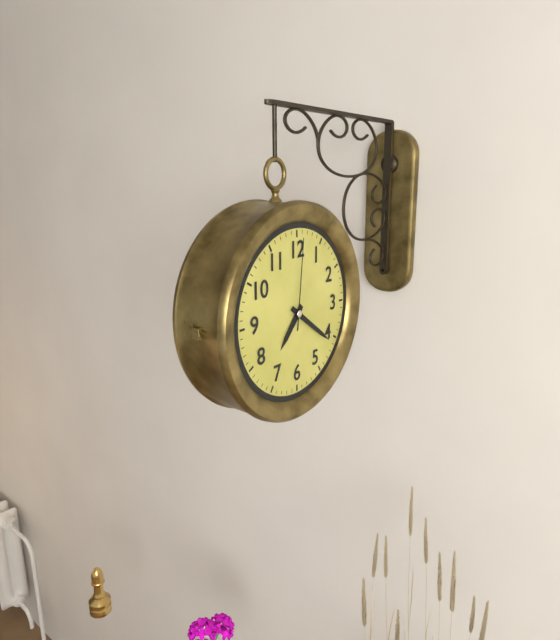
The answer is 7,21,01
